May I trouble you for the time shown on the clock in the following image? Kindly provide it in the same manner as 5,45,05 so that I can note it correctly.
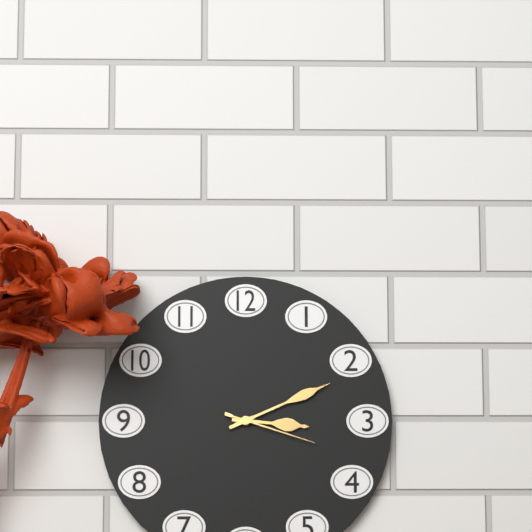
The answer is 3,11,18
